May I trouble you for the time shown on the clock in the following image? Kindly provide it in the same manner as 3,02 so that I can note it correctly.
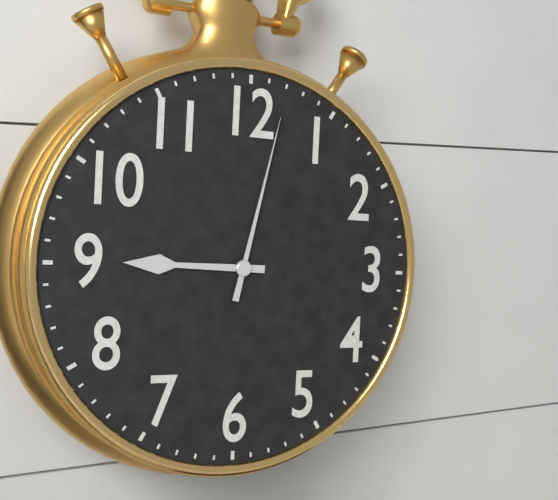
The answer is 9,02
